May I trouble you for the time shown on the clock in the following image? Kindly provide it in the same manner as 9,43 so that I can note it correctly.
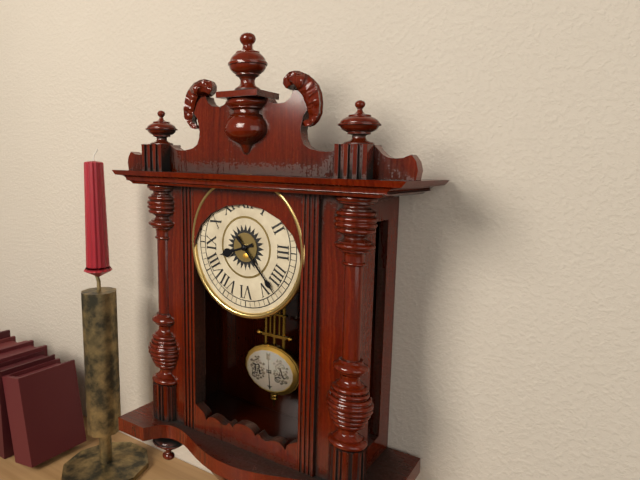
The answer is 8,23
